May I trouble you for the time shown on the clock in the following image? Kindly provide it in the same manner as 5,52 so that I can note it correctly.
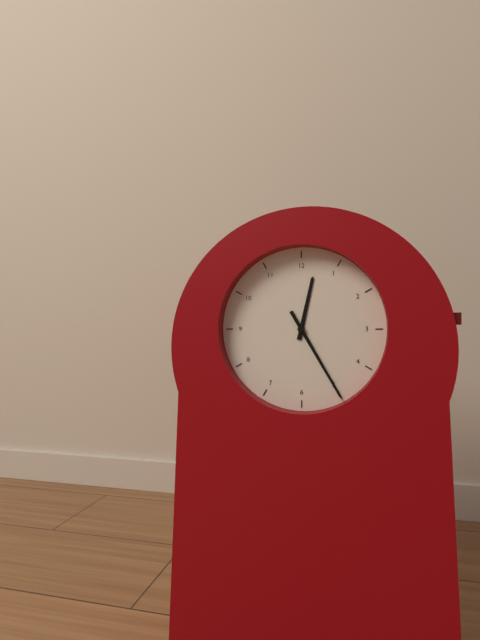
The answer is 12,25
